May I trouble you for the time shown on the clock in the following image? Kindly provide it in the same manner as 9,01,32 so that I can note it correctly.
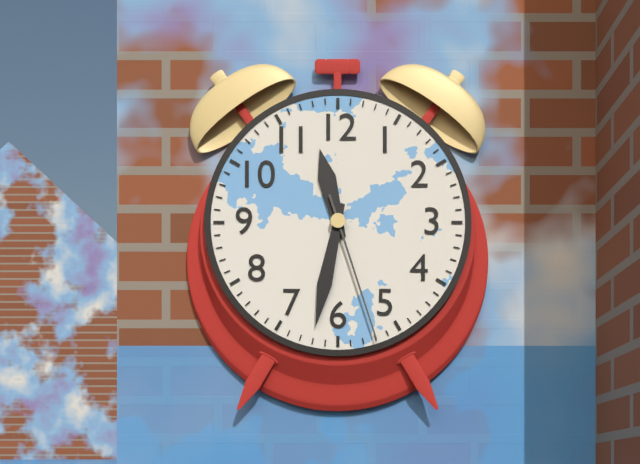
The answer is 11,32,27
